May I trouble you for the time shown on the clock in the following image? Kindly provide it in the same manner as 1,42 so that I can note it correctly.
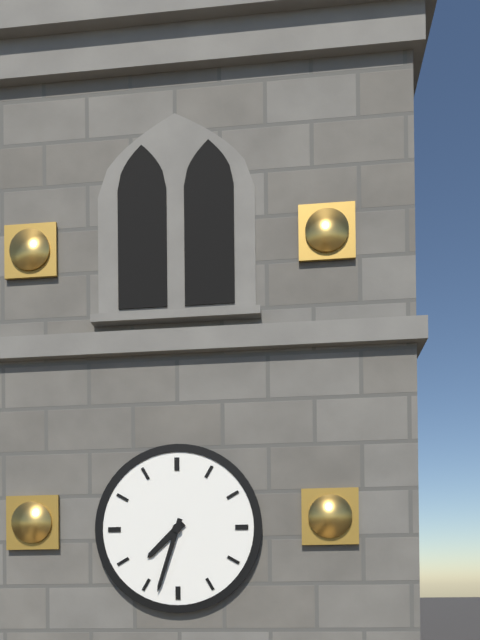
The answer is 7,33
